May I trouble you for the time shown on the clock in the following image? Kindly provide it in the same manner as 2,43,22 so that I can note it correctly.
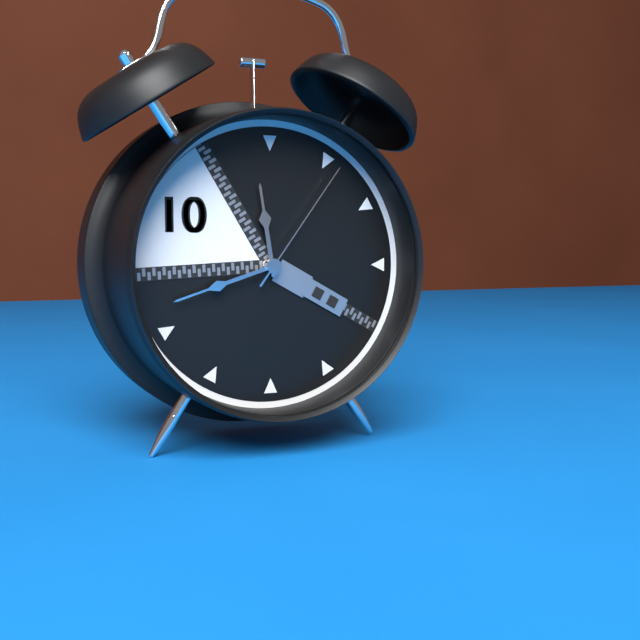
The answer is 11,42,06
